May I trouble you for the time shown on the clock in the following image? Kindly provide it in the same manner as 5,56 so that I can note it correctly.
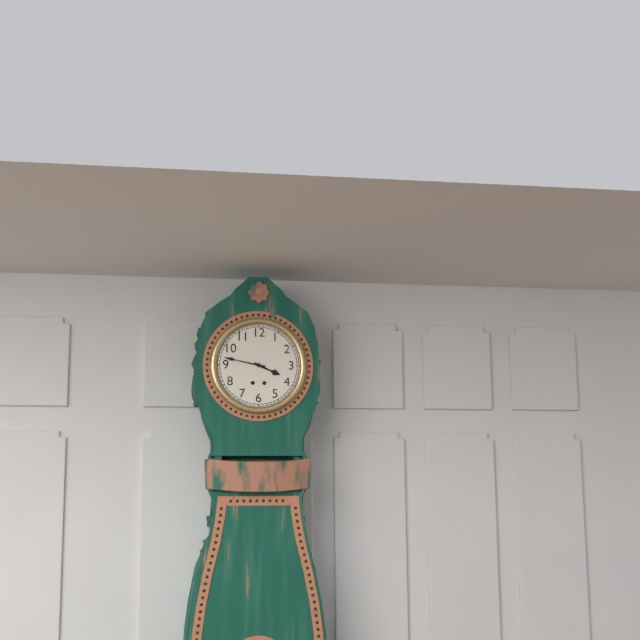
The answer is 3,47
